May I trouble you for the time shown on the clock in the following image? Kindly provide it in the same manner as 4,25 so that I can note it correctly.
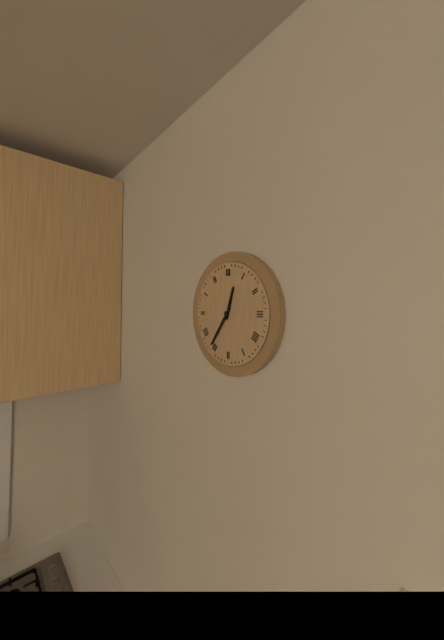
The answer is 12,36
